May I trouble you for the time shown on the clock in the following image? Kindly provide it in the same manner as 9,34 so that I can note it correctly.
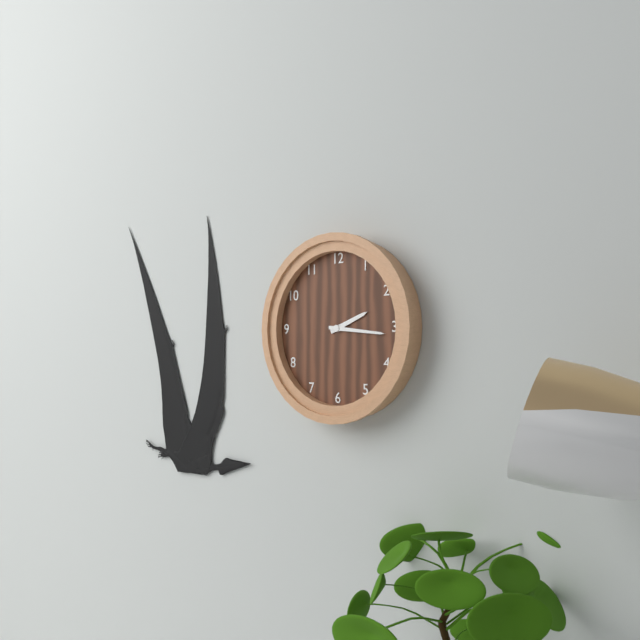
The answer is 2,16
